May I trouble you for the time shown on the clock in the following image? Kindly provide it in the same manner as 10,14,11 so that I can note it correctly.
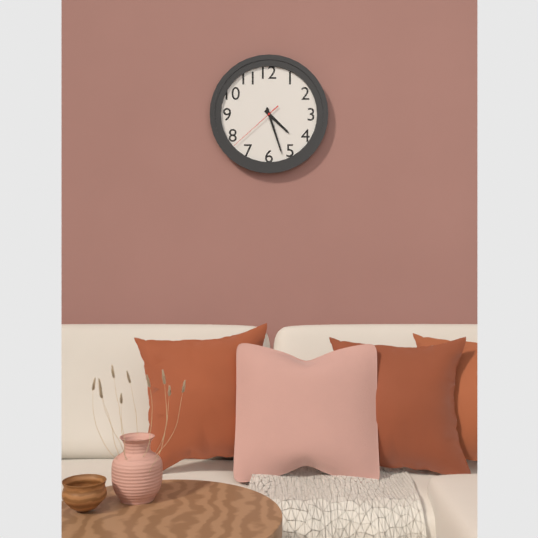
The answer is 4,27,38
